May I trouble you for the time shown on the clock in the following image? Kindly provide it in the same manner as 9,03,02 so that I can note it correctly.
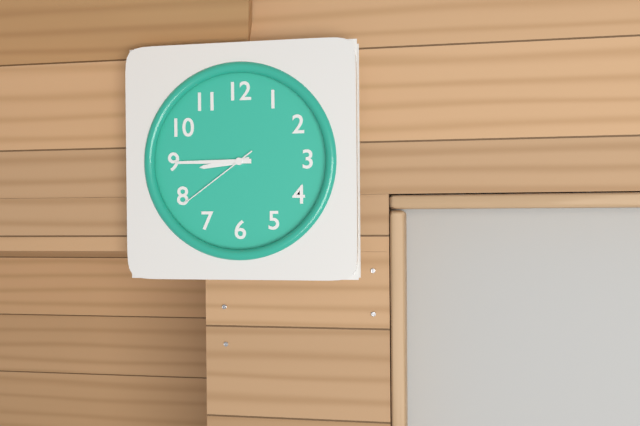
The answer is 8,45,39
